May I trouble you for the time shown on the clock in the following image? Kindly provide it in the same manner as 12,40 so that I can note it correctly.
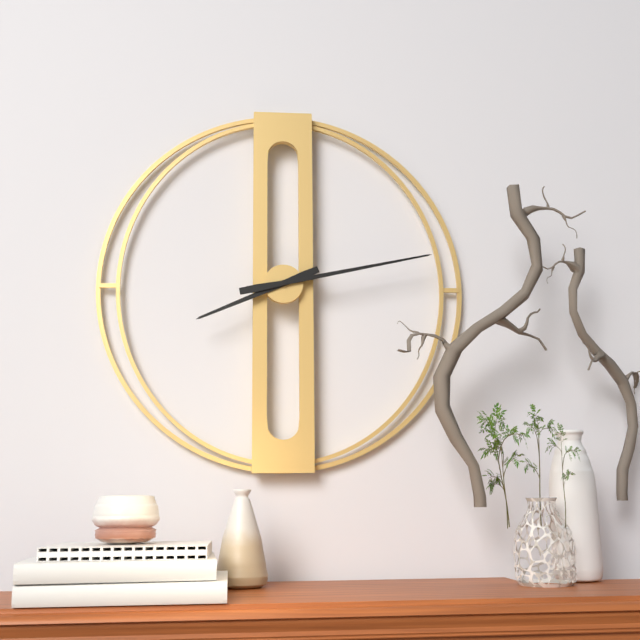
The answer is 8,13
